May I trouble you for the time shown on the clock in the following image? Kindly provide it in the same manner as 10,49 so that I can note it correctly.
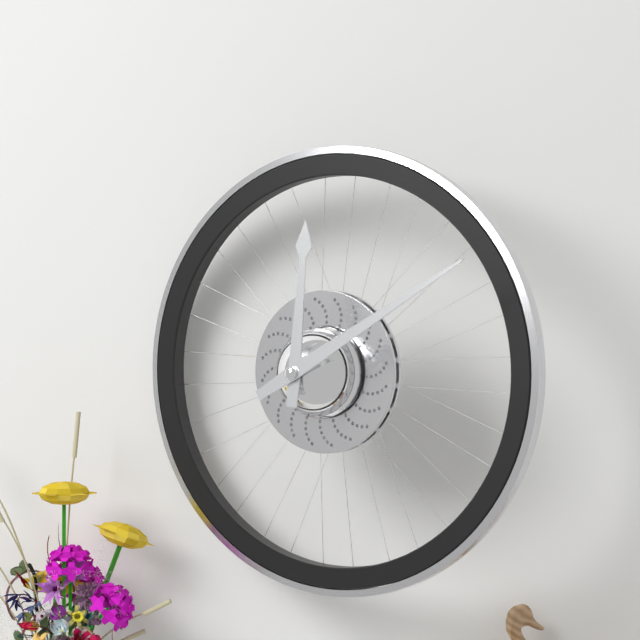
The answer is 12,10
